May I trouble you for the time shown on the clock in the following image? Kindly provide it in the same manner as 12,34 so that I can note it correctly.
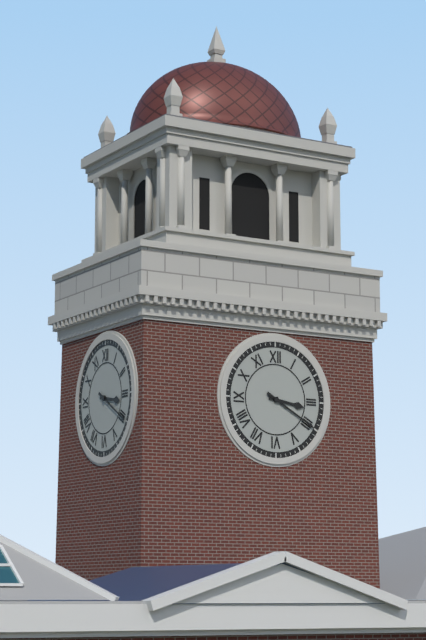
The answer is 3,20
